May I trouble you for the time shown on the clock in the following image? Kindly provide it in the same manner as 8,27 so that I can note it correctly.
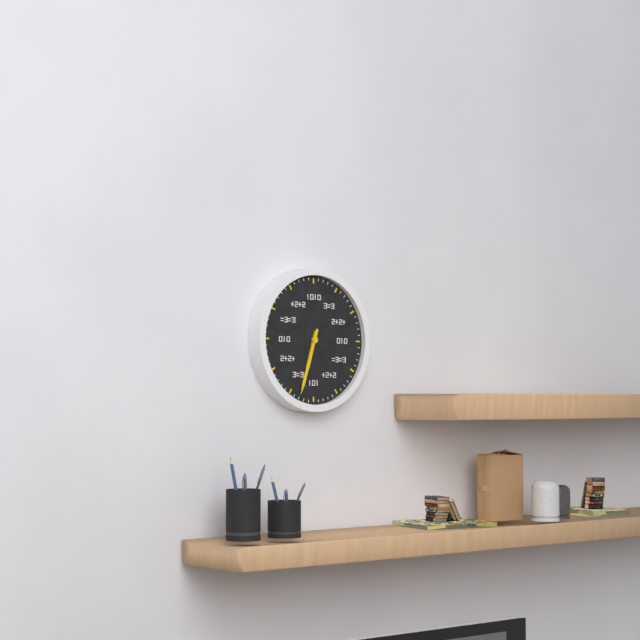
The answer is 6,33
